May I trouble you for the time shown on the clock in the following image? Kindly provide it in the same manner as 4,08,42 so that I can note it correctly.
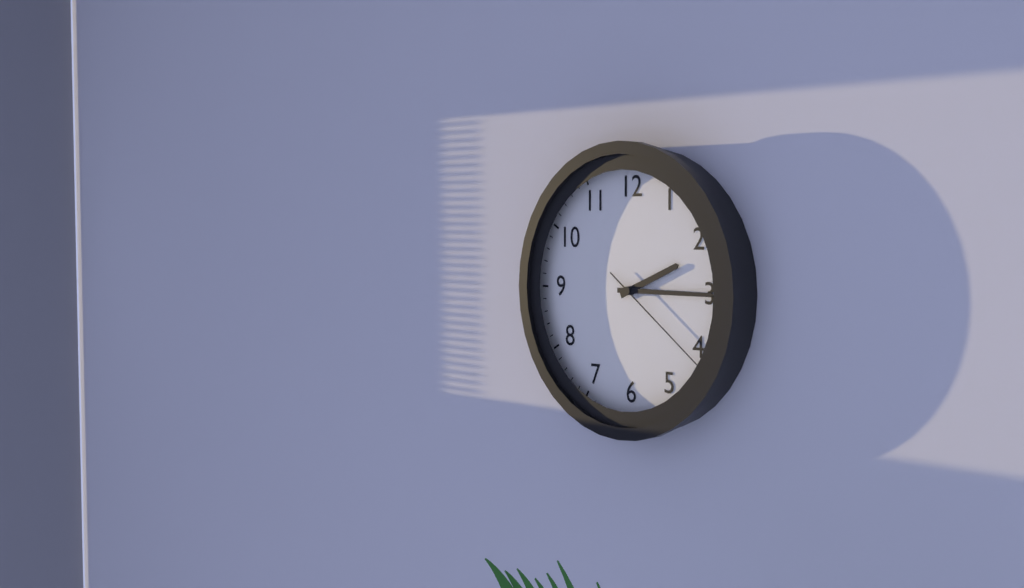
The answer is 2,15,21
